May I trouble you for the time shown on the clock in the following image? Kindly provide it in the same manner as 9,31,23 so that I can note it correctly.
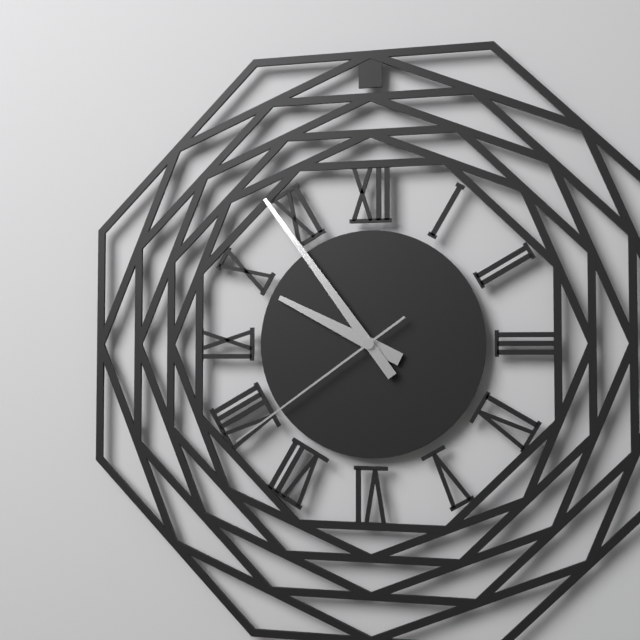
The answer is 9,54,39
